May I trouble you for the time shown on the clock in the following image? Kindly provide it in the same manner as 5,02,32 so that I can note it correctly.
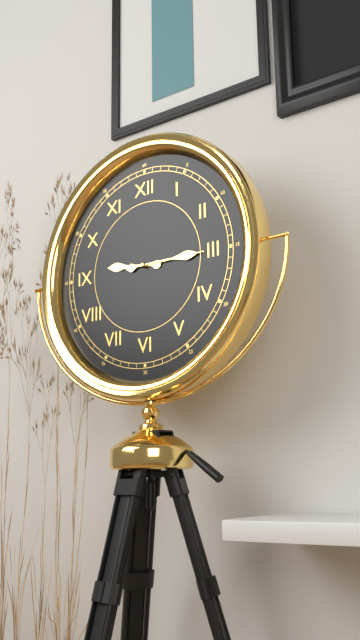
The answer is 9,15,15
